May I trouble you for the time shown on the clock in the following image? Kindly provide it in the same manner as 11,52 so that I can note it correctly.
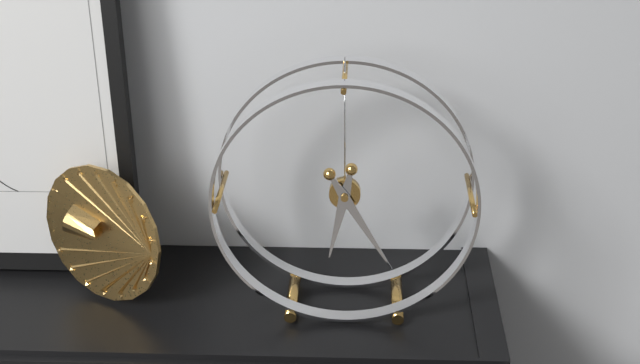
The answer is 6,25
